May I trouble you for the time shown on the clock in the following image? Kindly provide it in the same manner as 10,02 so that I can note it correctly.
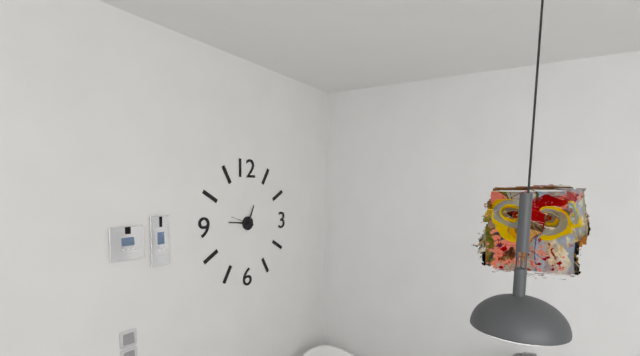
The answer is 12,46
